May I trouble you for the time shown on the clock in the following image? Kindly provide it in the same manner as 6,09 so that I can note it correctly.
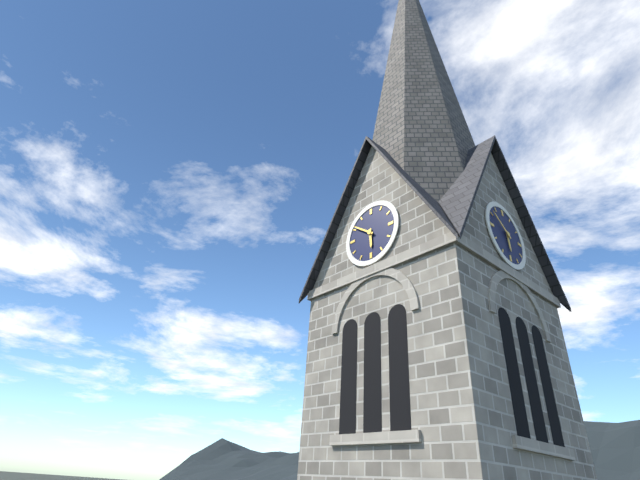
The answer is 5,51
